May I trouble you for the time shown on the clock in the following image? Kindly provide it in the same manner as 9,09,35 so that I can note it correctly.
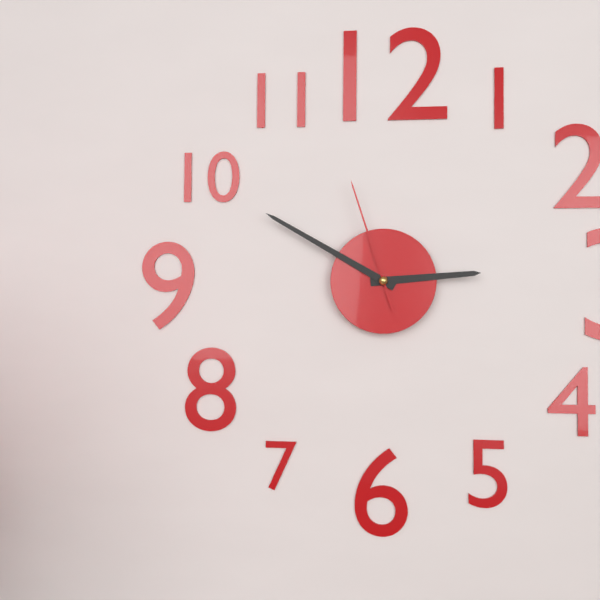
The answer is 2,50,57
